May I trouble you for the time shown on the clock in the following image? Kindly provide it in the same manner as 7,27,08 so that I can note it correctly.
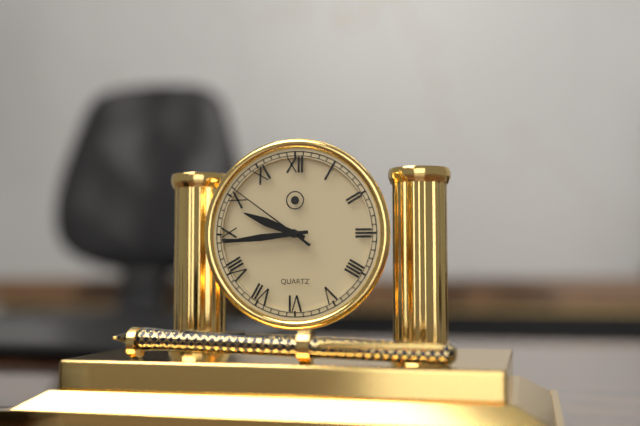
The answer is 9,44,51
